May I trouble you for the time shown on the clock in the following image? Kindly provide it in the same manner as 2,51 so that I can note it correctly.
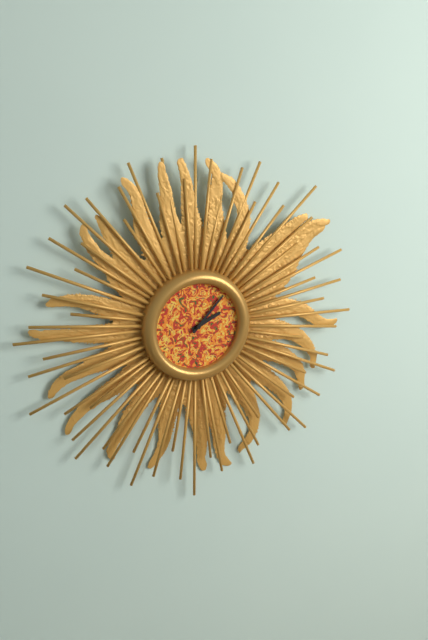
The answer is 2,07
